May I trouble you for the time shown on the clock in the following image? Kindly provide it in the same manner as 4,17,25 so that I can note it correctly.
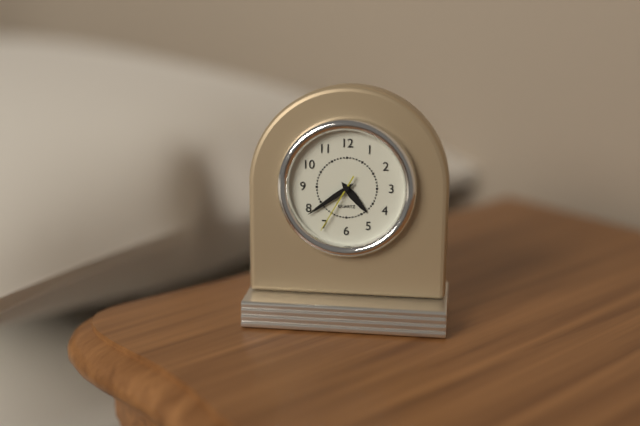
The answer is 4,39,35
